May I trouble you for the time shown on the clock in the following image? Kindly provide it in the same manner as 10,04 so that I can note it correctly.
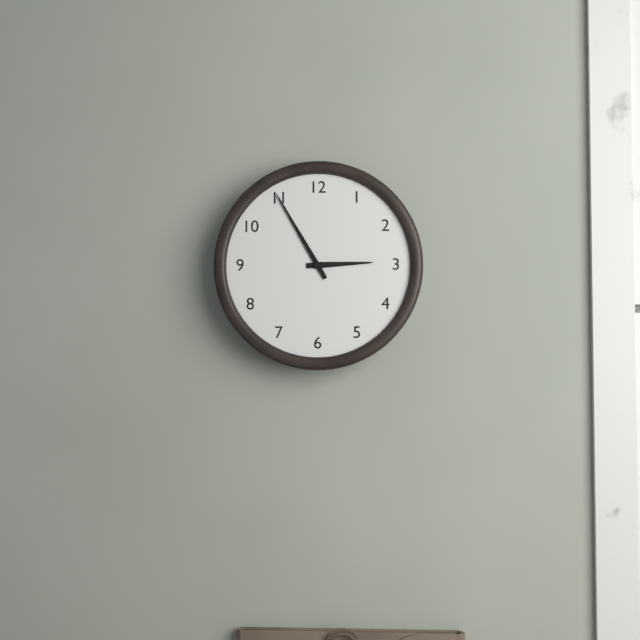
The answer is 2,55
